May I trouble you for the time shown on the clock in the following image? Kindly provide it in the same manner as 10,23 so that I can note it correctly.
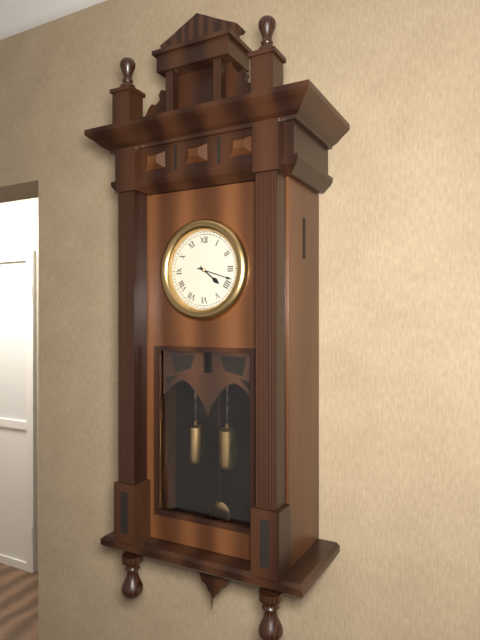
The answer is 4,18
